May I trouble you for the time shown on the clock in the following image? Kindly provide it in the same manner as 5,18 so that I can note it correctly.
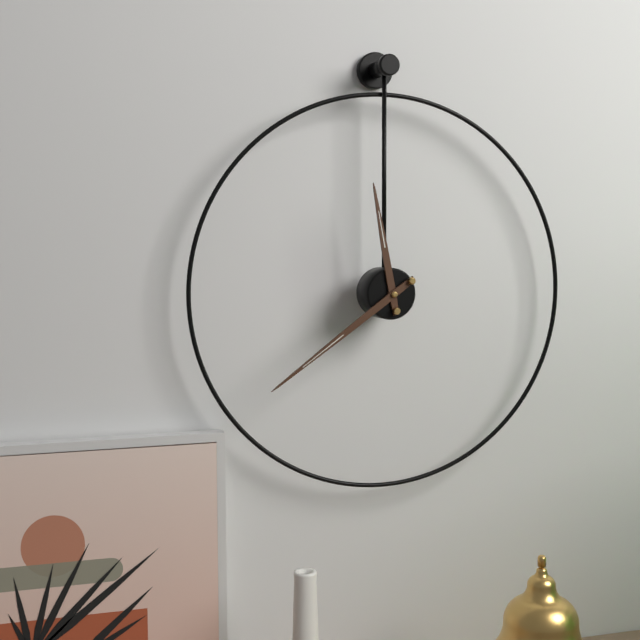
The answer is 11,39
